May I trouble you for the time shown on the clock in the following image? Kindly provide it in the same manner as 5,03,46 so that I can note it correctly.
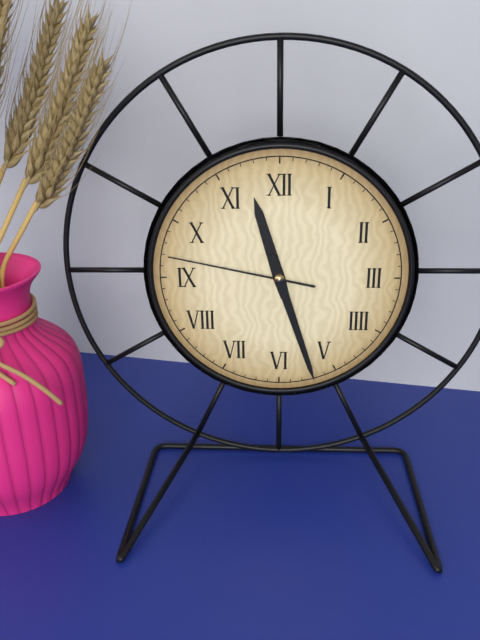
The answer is 11,27,47
